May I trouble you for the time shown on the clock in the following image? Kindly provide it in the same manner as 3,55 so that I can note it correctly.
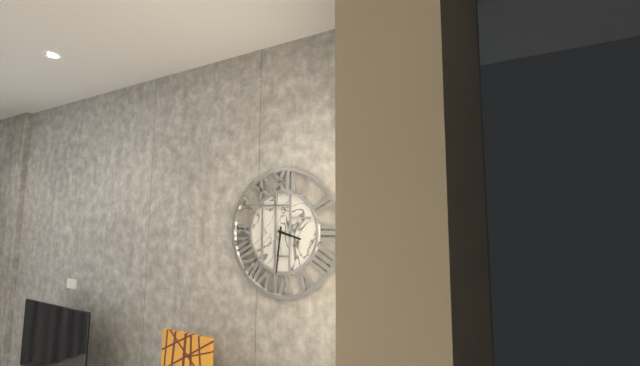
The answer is 3,31
